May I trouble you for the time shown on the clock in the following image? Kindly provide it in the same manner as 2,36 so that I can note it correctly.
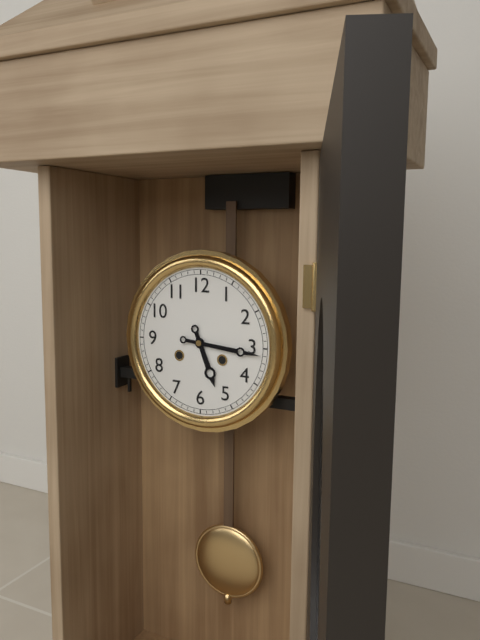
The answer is 5,16
